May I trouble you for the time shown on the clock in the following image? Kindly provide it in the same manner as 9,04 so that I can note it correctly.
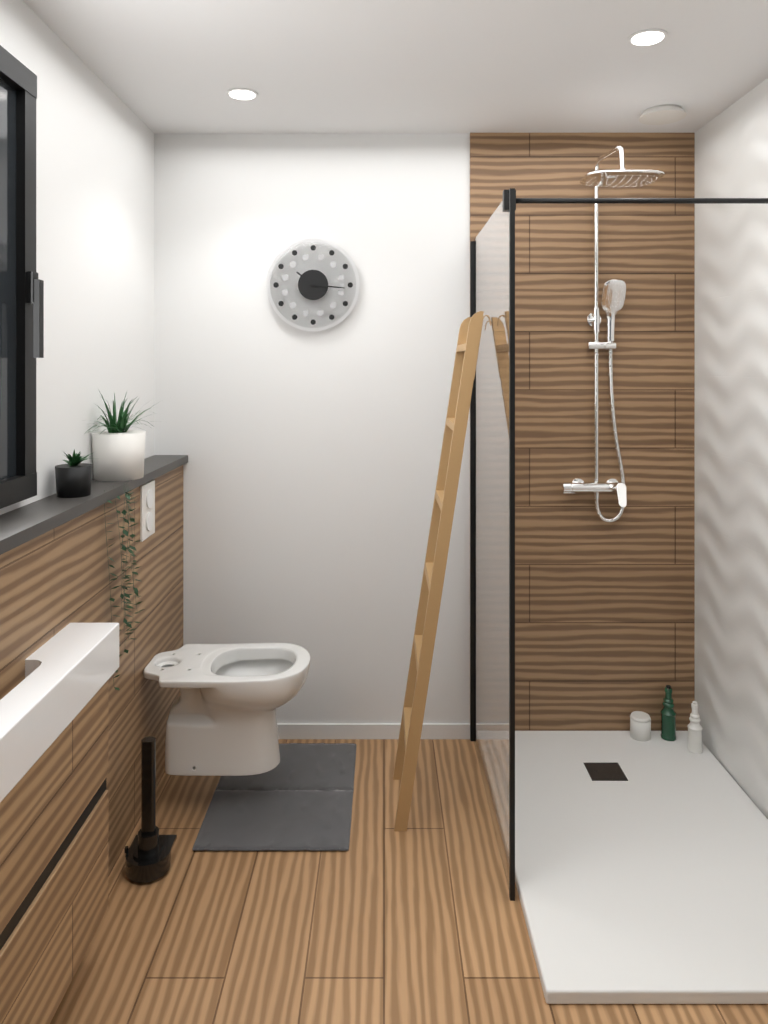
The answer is 10,16
